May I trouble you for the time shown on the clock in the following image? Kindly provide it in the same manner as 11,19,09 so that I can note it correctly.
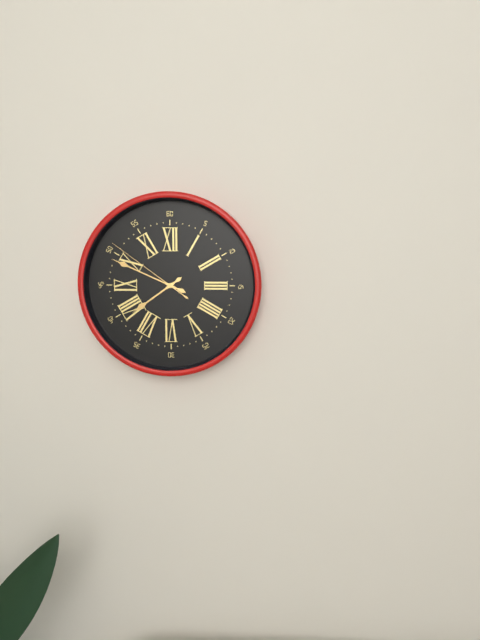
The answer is 7,49,51
